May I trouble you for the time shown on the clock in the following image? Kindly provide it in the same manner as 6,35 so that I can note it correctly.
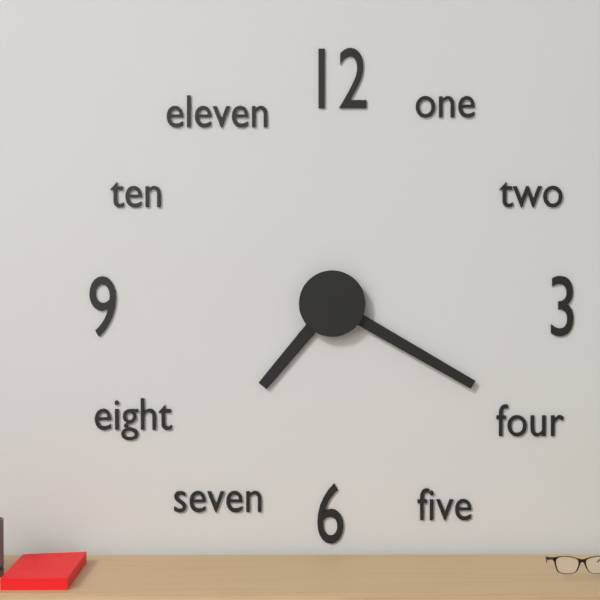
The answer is 7,20
